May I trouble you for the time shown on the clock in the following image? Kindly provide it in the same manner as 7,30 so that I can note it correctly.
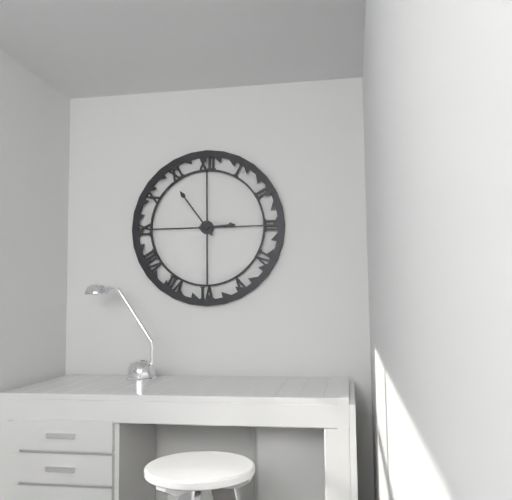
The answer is 2,54
